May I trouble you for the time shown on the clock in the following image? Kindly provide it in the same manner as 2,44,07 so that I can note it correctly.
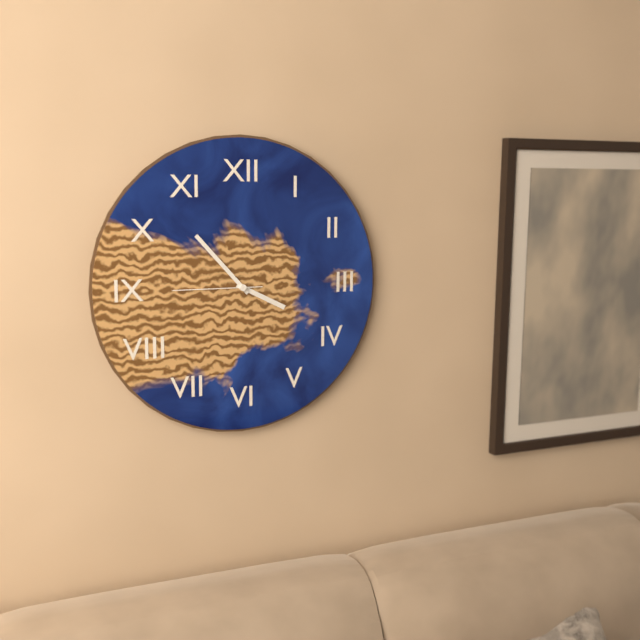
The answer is 3,53,45
